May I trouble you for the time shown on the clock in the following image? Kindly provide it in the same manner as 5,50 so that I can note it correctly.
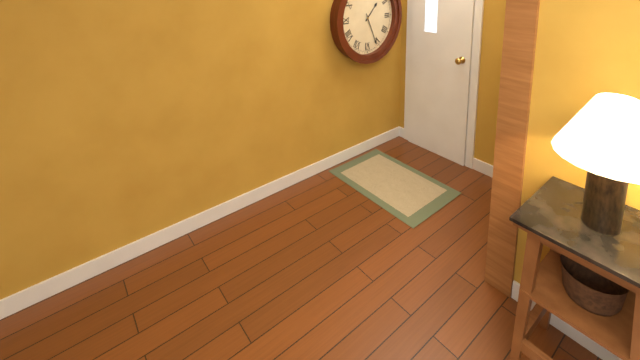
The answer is 1,26
